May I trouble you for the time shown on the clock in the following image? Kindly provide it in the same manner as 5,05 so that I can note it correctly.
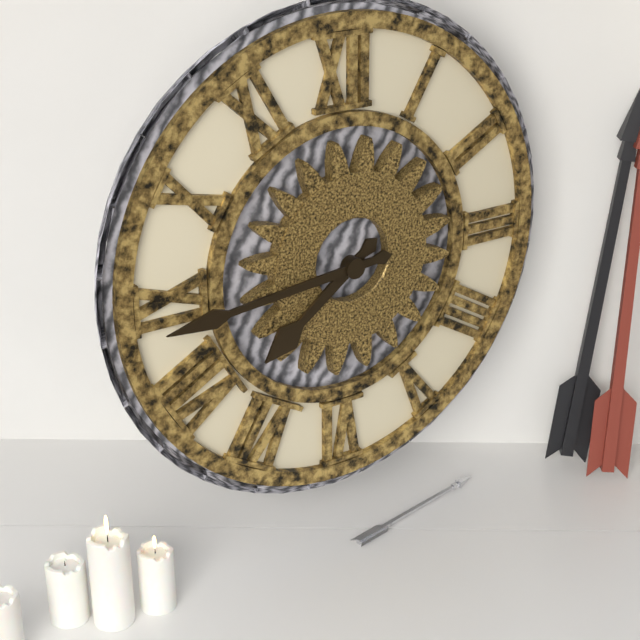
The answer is 7,44
